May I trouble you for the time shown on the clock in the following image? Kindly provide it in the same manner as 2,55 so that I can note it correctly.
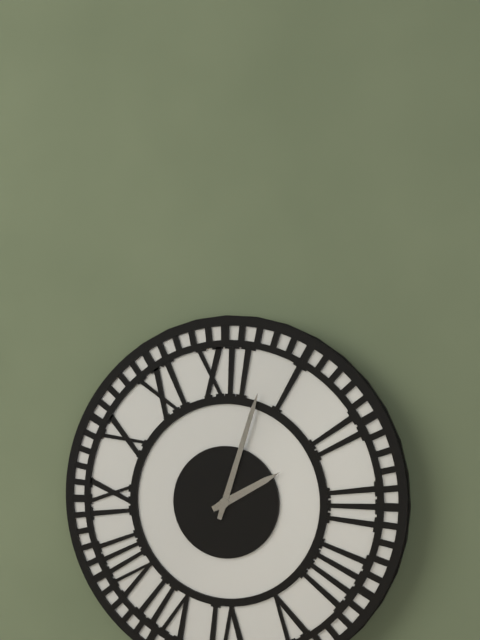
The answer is 2,03
